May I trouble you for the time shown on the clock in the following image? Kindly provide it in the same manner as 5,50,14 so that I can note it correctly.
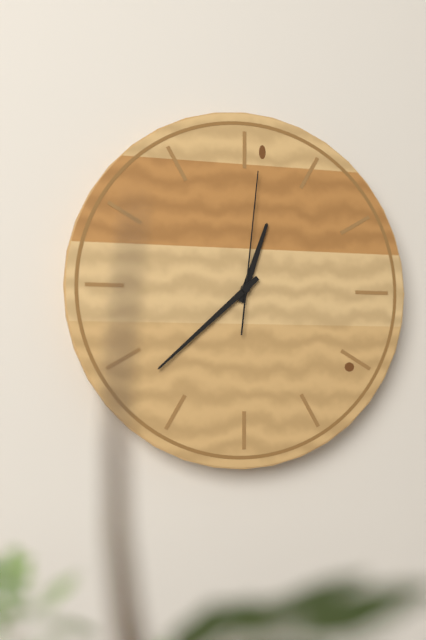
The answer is 12,38,01
